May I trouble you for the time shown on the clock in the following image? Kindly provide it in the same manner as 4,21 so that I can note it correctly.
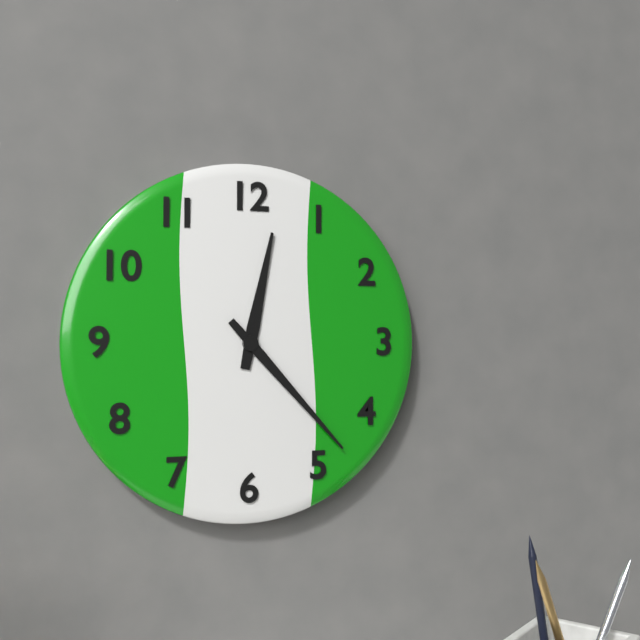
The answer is 12,23
